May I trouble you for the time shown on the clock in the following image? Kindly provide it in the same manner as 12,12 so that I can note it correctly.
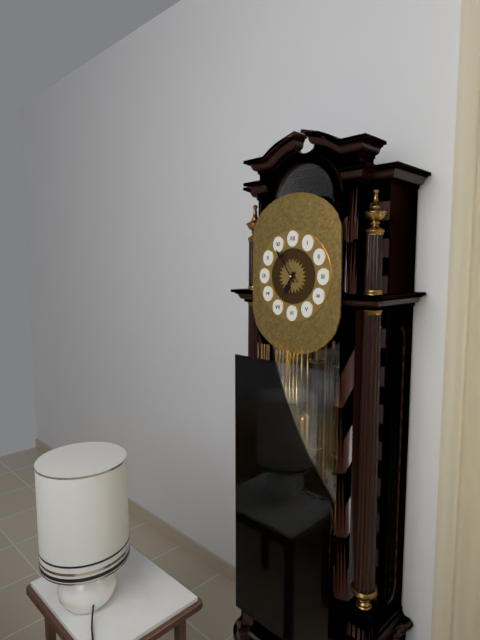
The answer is 6,54
